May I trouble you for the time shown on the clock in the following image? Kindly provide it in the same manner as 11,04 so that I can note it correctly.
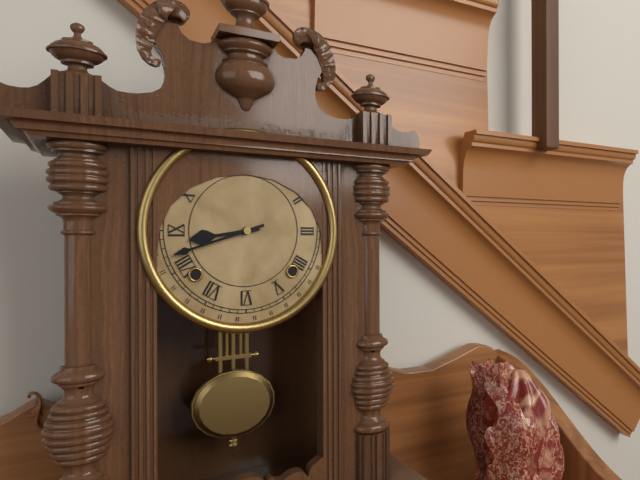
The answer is 8,42
